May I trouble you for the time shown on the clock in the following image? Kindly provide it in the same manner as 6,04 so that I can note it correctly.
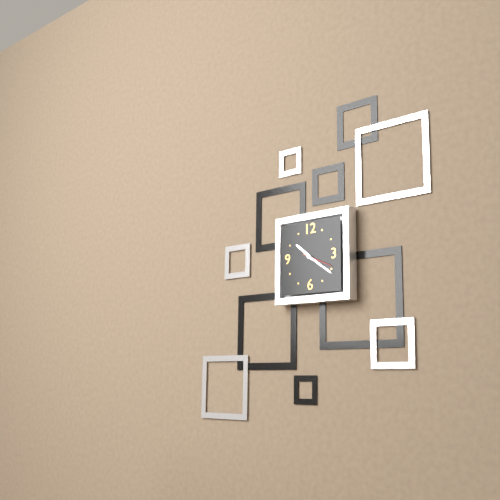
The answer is 10,21
